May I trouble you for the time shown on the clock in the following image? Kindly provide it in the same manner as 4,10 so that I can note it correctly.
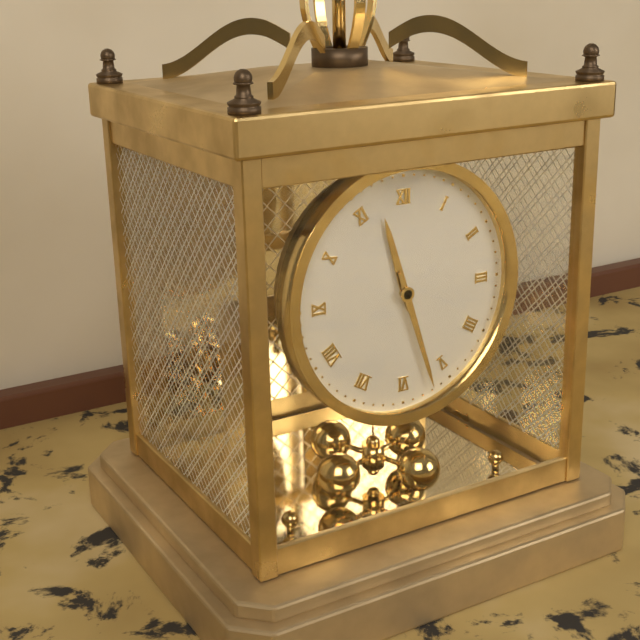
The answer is 11,27
